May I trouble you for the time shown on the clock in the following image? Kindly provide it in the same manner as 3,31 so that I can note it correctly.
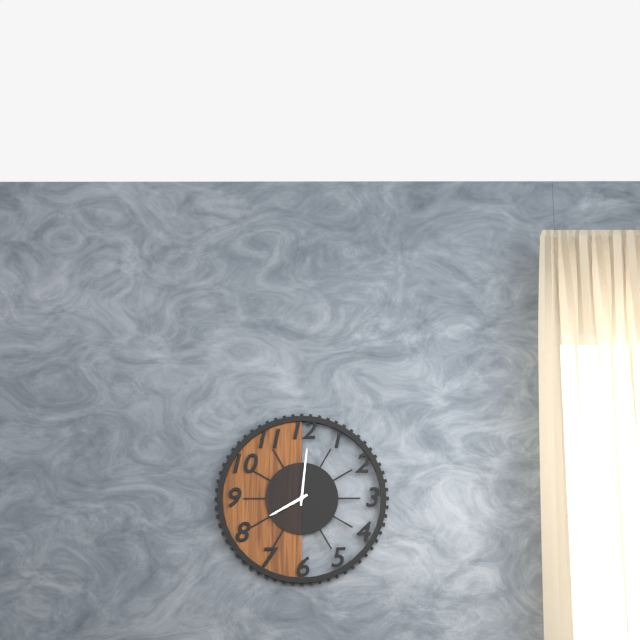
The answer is 8,01
